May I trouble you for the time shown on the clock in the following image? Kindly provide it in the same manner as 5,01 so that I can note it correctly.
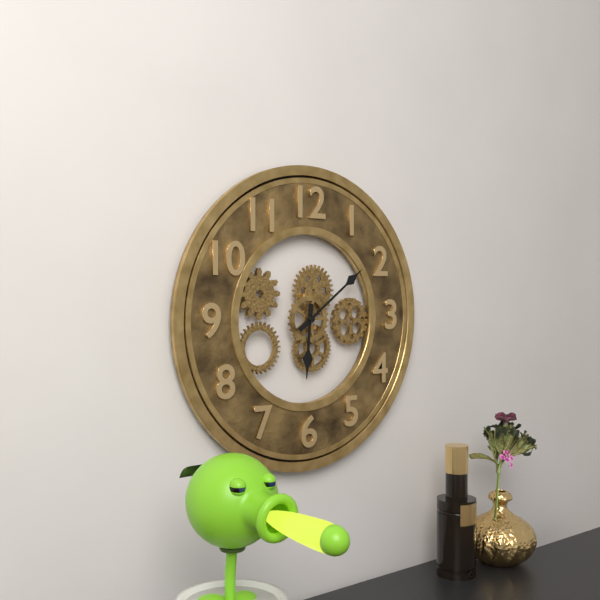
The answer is 6,09
